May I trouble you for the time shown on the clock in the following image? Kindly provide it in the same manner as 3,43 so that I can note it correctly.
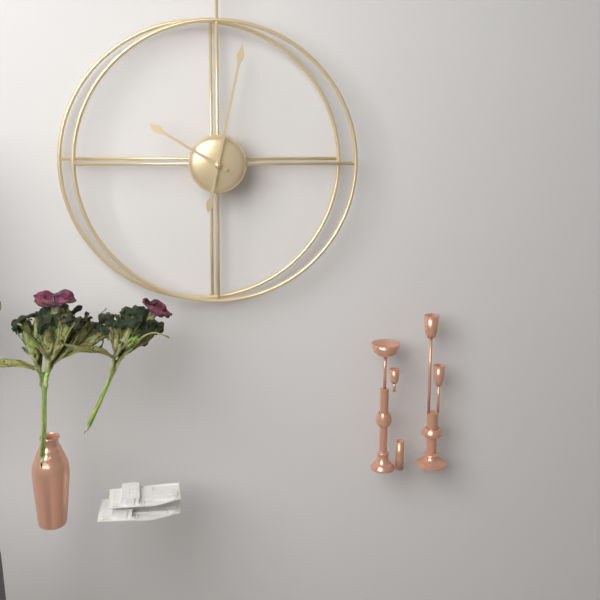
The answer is 10,02
